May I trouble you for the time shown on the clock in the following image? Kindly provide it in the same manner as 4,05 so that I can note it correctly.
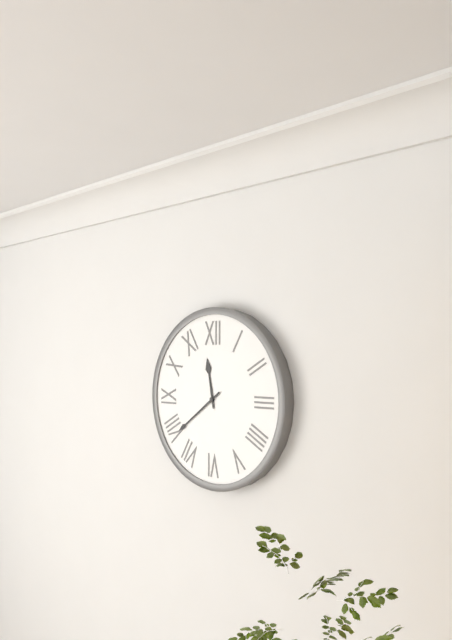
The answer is 11,39
